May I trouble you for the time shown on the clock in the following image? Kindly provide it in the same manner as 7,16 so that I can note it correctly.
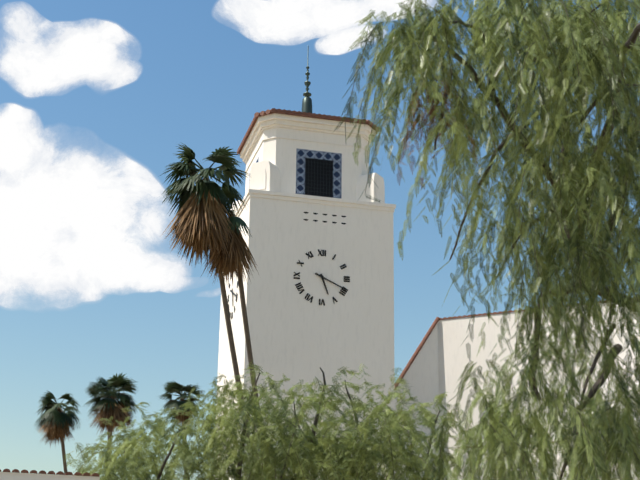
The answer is 5,19
